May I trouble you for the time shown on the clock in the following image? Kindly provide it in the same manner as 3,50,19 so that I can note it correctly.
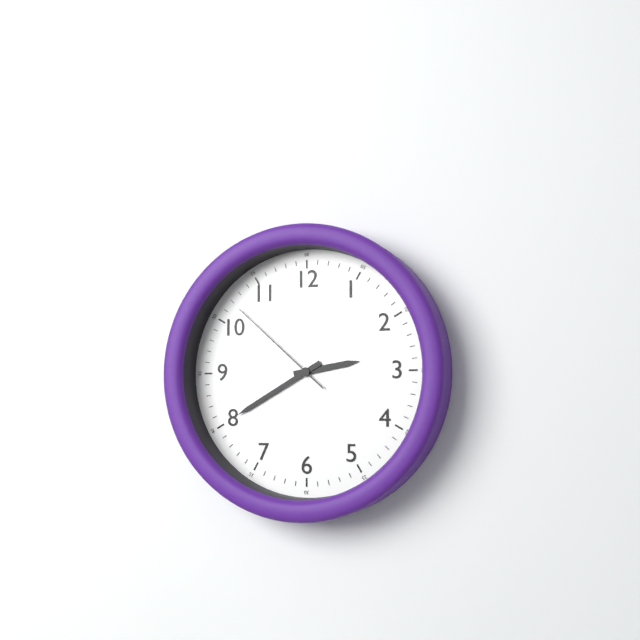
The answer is 2,40,52
